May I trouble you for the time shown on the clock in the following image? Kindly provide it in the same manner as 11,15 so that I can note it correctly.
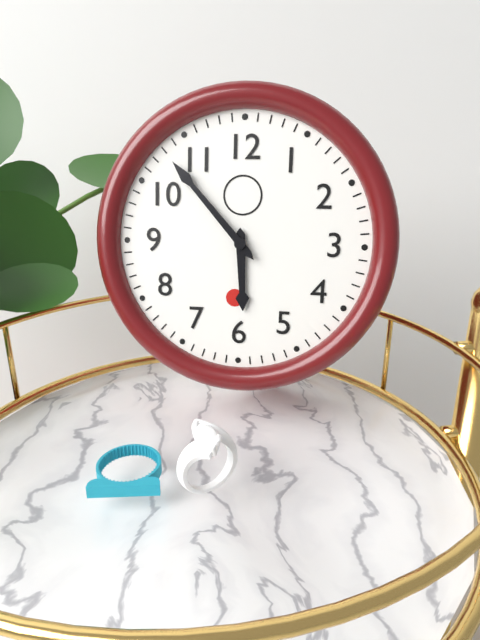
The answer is 5,53
